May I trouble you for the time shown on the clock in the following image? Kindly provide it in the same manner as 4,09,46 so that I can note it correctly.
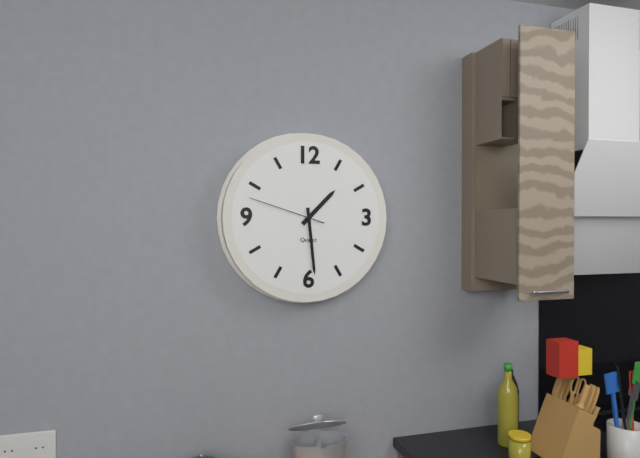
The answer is 1,29,48
